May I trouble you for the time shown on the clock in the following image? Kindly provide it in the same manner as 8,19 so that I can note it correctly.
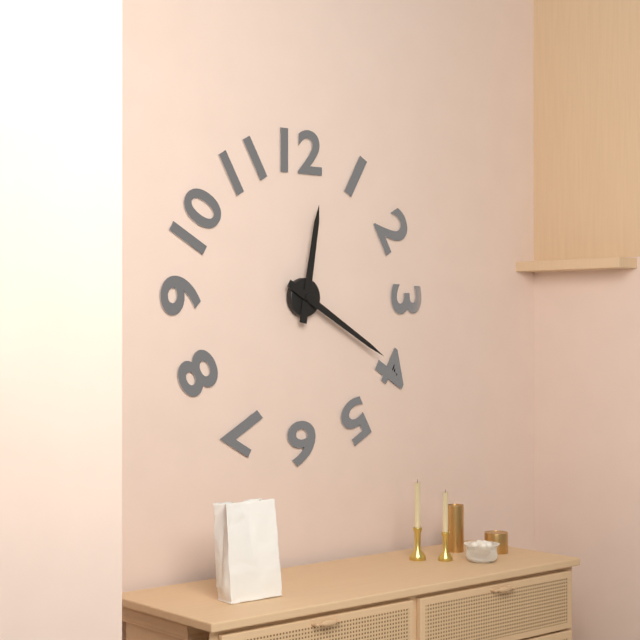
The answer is 12,20
